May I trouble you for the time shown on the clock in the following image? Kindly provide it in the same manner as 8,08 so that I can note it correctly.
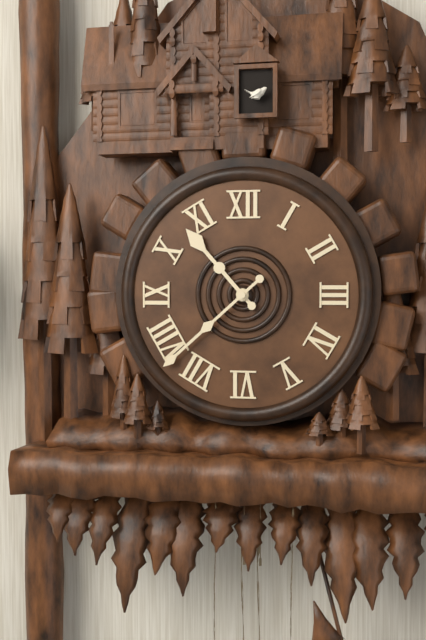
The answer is 10,38
